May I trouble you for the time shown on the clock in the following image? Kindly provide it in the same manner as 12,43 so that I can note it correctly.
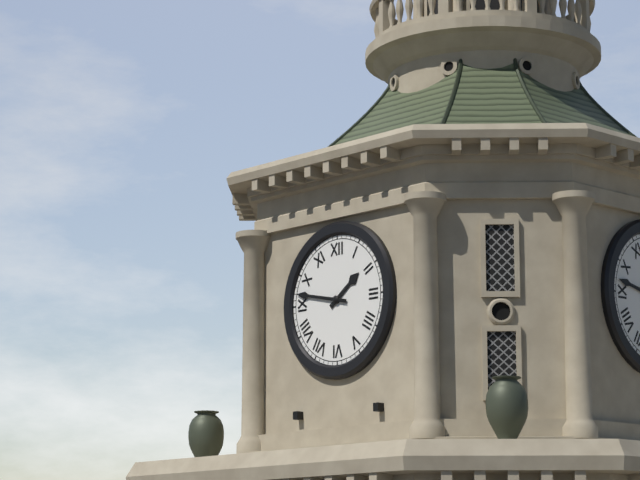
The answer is 1,47
